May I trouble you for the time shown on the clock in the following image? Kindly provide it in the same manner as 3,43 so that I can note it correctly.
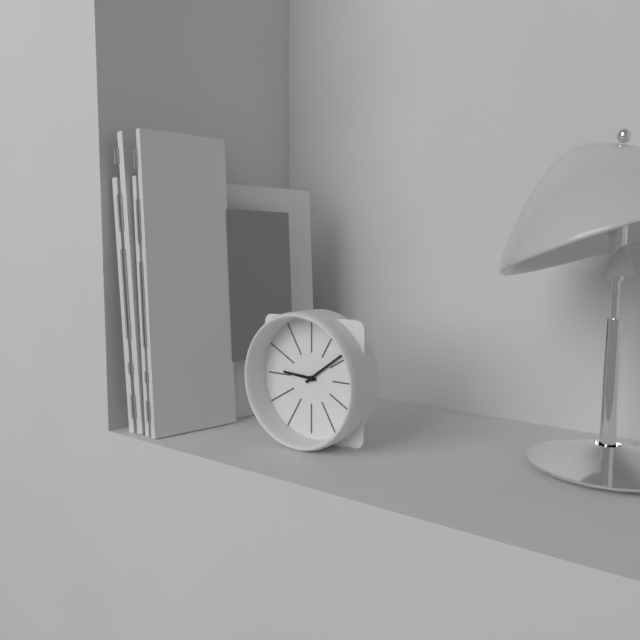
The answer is 9,09
